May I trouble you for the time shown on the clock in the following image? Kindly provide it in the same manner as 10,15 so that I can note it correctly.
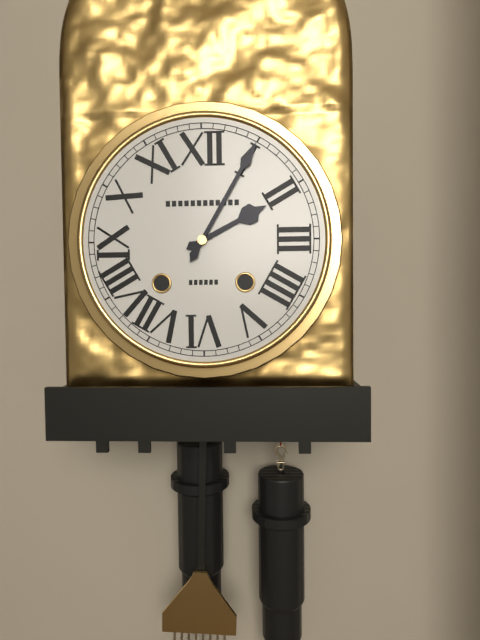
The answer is 2,05
